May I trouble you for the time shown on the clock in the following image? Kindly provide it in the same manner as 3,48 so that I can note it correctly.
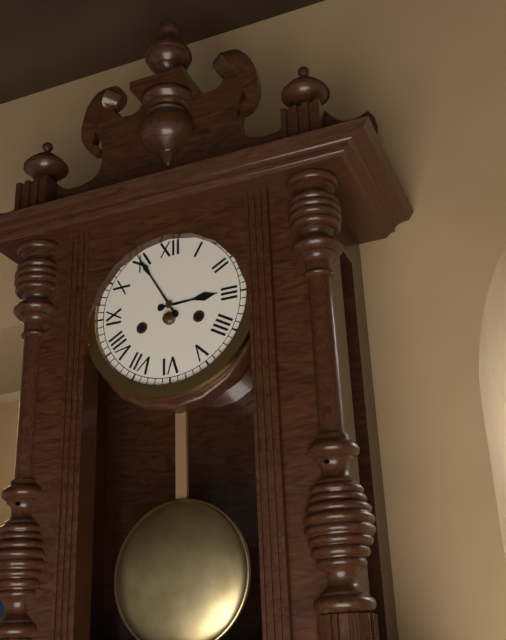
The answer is 2,55
